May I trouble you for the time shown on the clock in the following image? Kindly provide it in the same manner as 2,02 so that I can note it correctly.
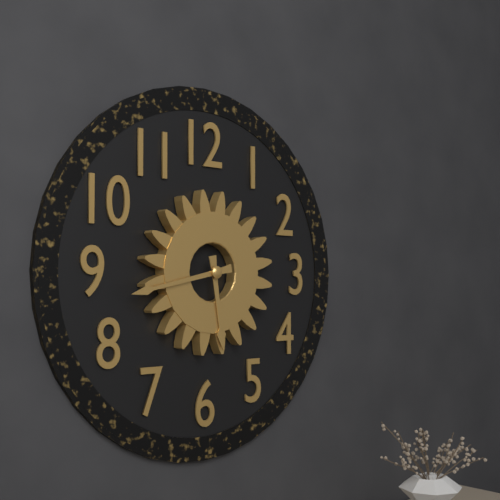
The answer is 5,43
